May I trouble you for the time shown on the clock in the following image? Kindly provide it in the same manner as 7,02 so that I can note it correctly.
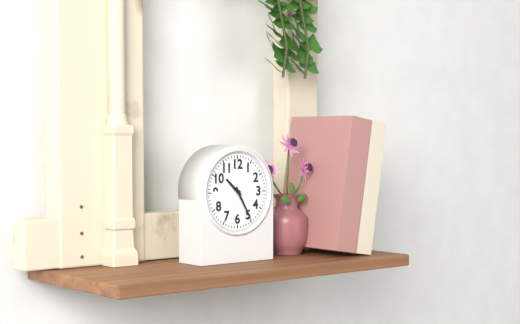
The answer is 10,25
